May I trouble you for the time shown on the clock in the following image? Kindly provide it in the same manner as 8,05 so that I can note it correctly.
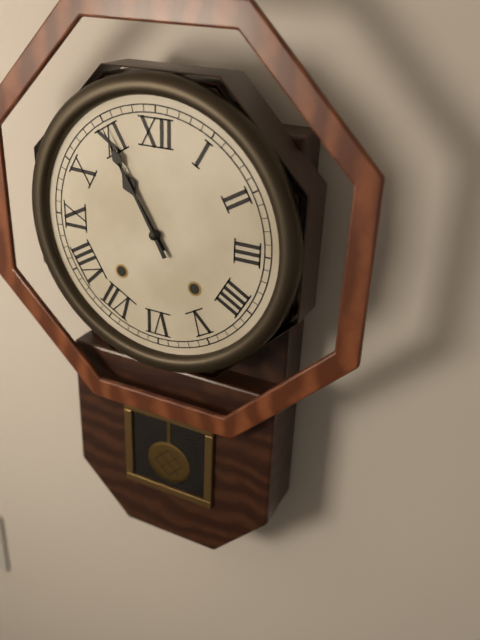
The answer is 10,55
